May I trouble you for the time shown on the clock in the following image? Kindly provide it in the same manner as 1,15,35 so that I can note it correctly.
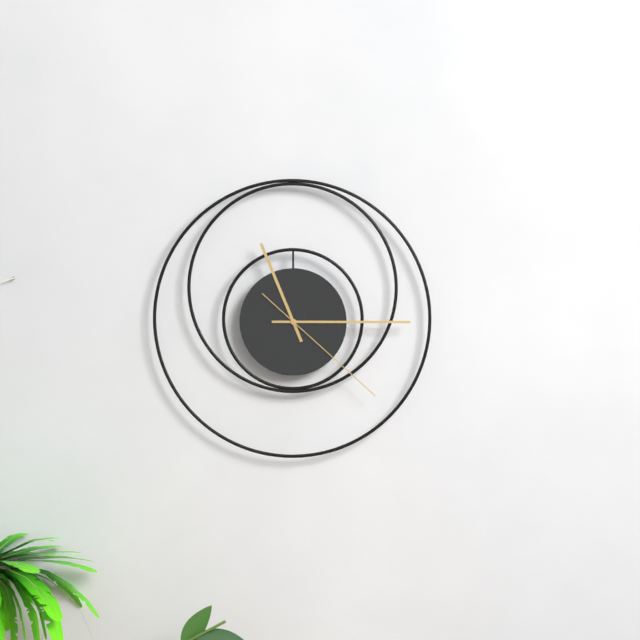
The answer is 11,15,22
